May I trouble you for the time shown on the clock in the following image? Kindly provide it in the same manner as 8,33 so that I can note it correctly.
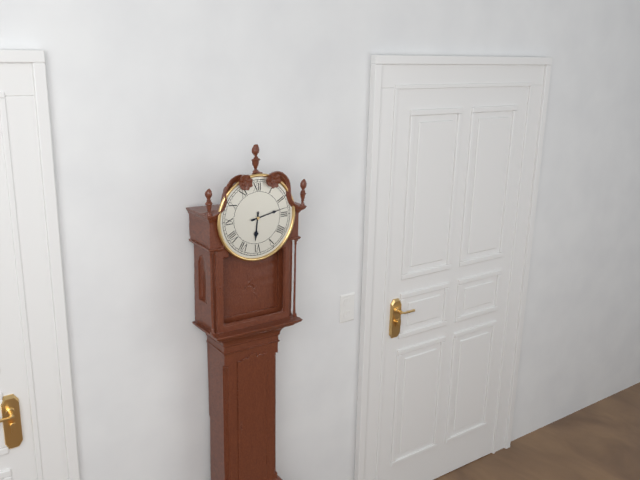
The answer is 6,13
